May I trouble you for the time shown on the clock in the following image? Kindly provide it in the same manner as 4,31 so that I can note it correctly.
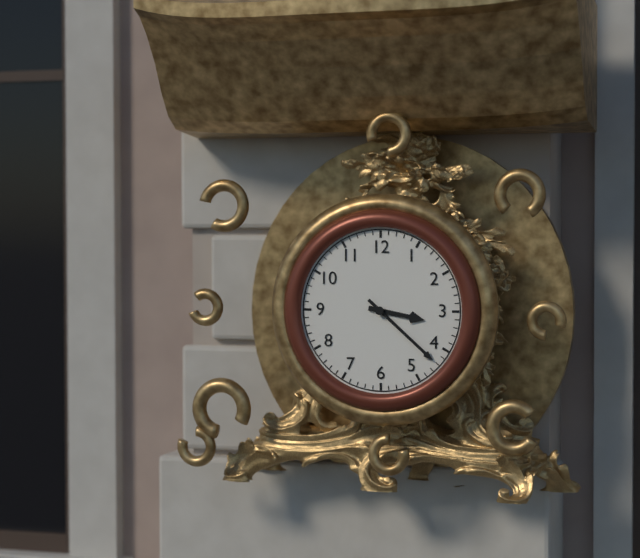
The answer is 3,22
